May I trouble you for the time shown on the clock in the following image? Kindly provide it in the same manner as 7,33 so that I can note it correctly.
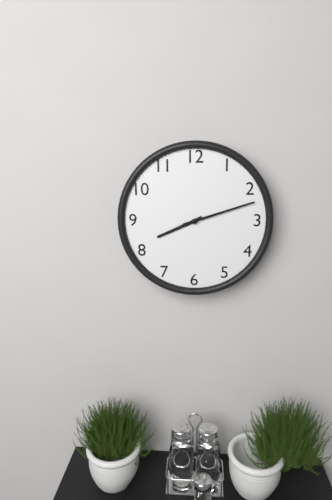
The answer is 8,12
